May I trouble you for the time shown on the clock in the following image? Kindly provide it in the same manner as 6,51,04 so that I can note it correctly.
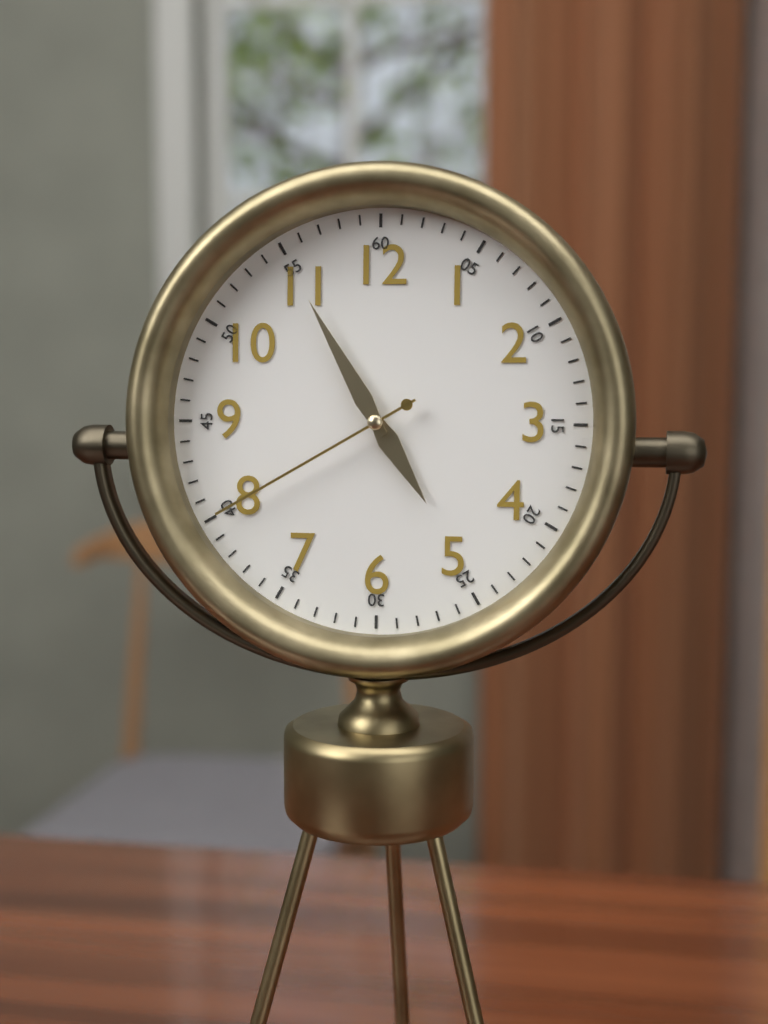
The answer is 4,55,40
